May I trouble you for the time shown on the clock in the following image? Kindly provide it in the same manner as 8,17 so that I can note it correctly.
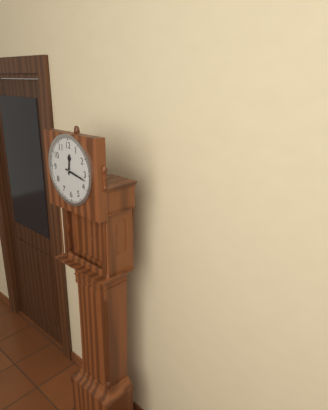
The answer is 12,17
